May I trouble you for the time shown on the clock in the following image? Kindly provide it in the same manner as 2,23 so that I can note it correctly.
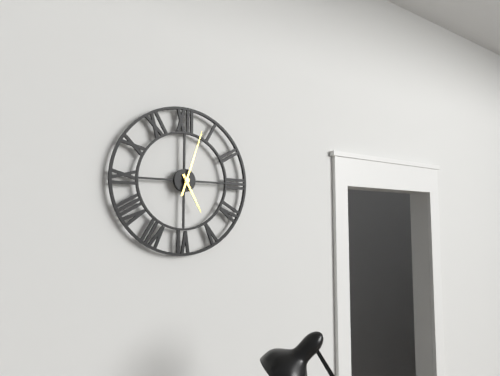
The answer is 5,03
